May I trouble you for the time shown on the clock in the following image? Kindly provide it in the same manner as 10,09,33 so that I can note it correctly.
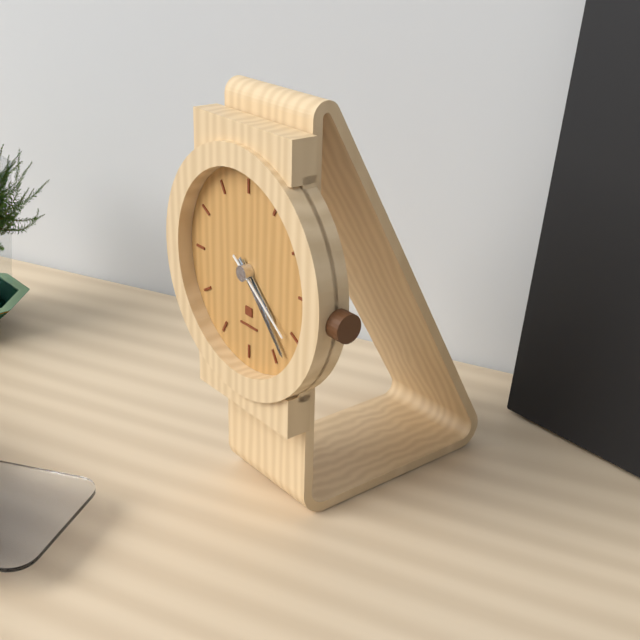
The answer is 4,23,21
